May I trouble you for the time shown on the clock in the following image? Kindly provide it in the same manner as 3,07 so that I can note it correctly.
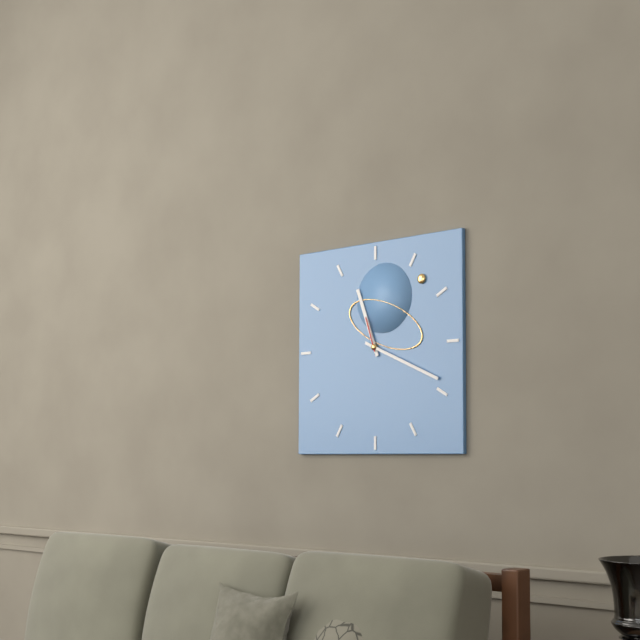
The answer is 11,19
